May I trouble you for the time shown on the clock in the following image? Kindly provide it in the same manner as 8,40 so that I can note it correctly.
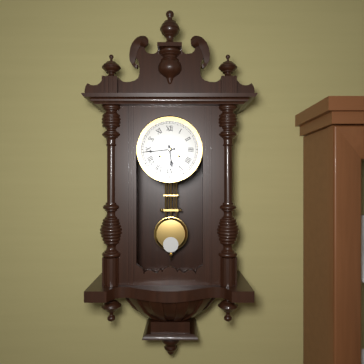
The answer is 5,44
